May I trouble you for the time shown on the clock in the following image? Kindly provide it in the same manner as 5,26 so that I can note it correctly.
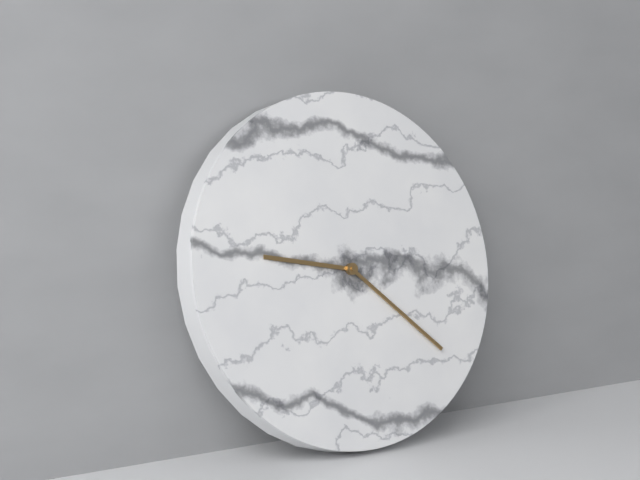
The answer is 9,22
